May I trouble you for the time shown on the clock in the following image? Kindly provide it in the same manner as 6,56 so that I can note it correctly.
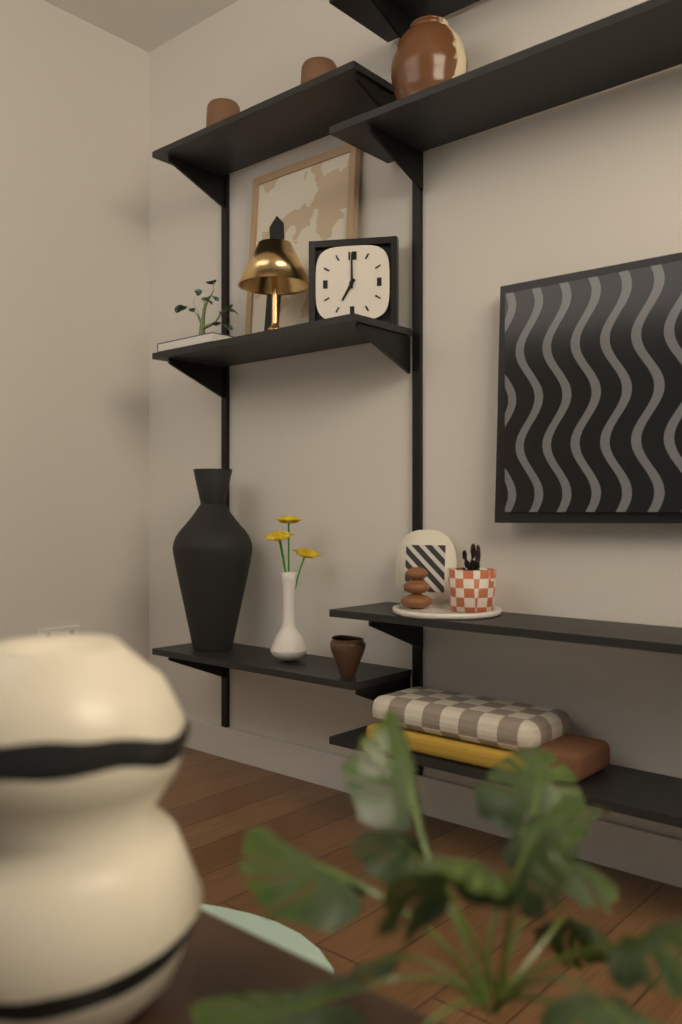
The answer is 7,00
